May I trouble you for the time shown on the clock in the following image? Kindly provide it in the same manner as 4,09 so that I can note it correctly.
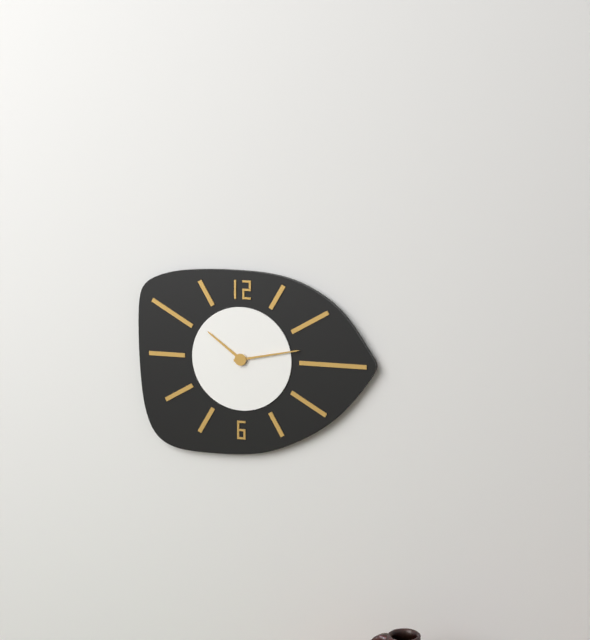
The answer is 10,13
